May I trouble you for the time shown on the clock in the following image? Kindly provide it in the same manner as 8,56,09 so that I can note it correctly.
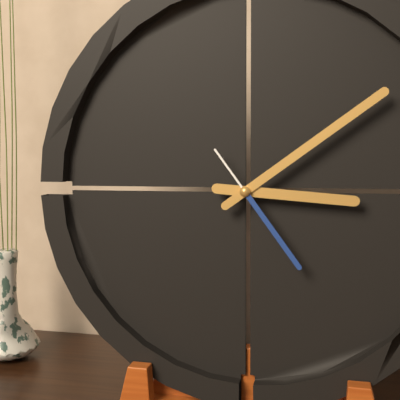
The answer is 3,09,24
